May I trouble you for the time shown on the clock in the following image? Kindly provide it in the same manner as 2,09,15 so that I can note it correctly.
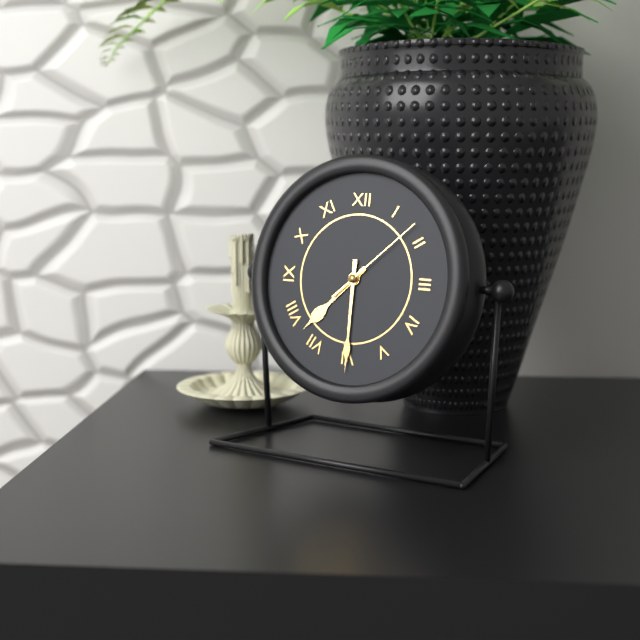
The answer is 7,30,08
